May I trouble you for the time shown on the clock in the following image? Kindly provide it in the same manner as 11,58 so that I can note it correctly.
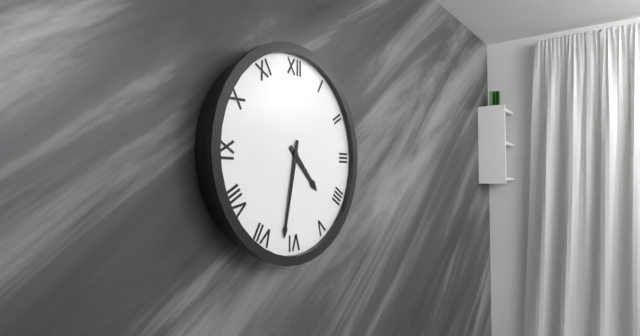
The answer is 4,32
